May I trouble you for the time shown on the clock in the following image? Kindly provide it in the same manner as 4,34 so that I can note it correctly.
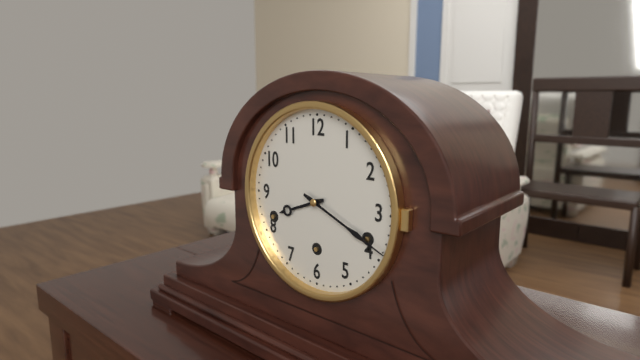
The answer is 8,19
